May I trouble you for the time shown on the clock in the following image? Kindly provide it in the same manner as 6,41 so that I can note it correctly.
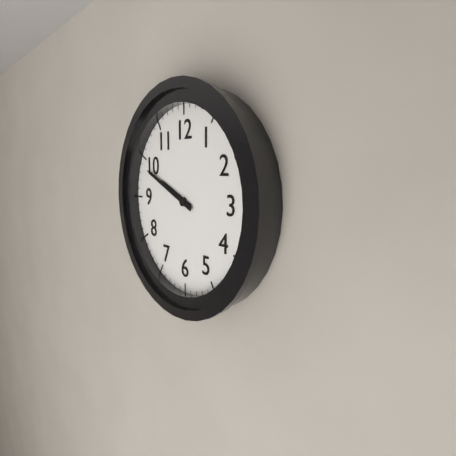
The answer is 9,49
